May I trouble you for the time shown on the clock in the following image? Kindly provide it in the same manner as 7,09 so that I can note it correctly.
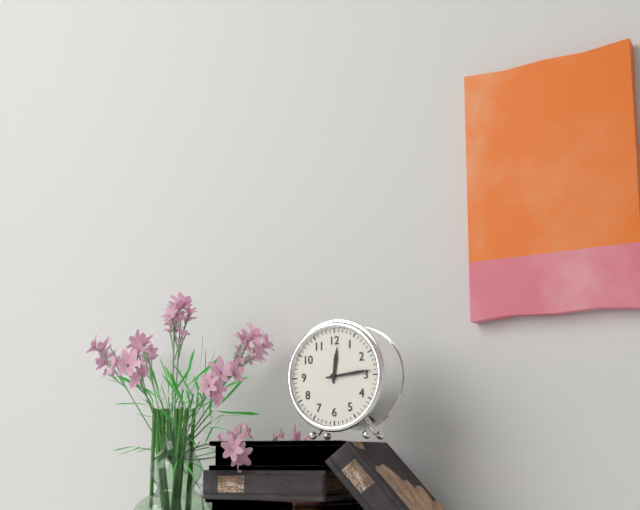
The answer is 12,14
